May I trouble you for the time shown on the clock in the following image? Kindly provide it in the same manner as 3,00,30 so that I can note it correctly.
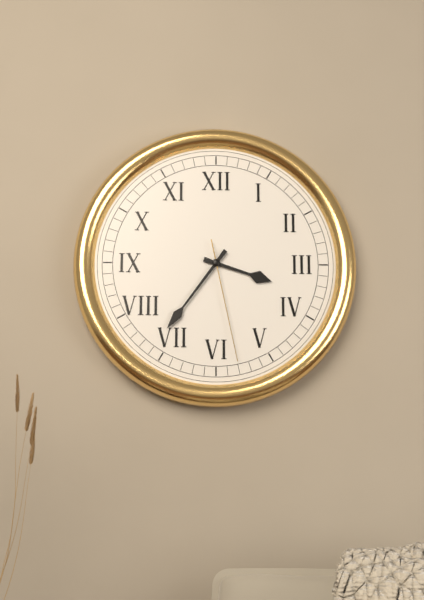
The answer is 3,36,28
